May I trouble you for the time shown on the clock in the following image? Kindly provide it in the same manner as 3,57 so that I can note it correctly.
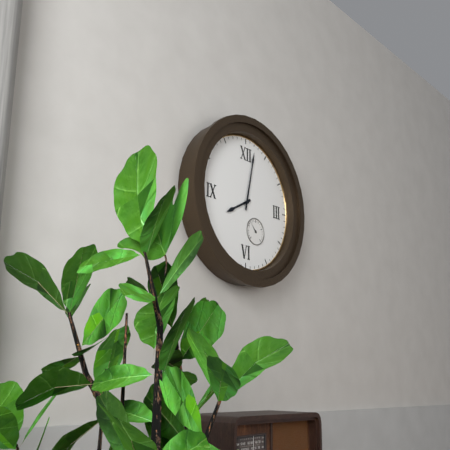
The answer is 8,02
